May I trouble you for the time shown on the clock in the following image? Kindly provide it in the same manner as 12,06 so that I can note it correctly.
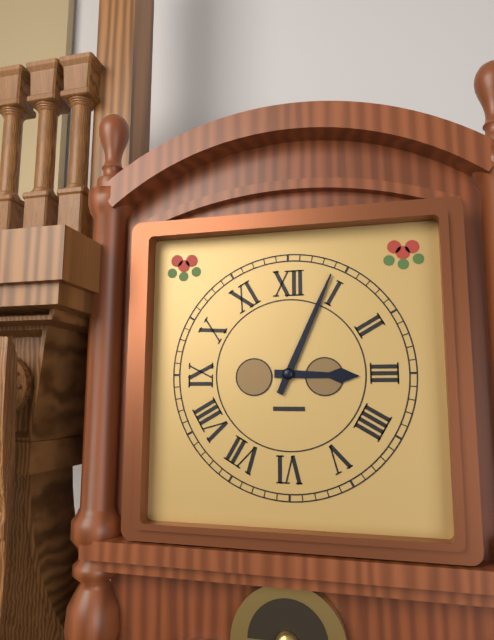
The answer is 3,04
